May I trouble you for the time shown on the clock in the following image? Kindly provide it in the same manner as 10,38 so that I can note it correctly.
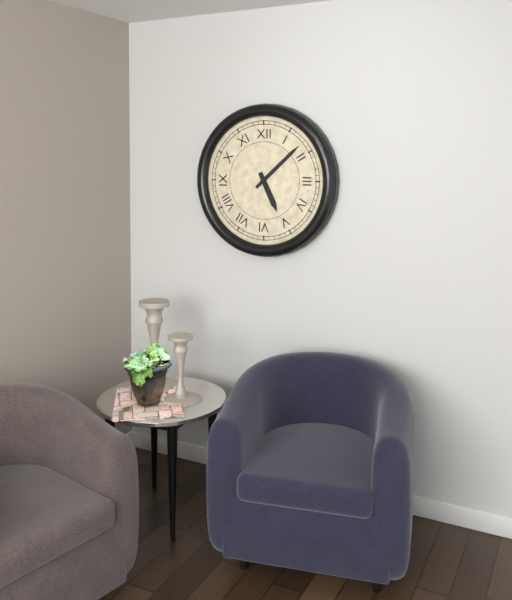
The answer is 5,08
